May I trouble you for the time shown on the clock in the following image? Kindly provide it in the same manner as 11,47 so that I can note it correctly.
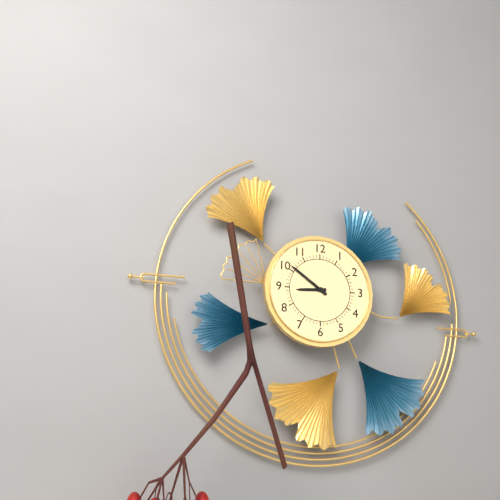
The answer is 8,51
